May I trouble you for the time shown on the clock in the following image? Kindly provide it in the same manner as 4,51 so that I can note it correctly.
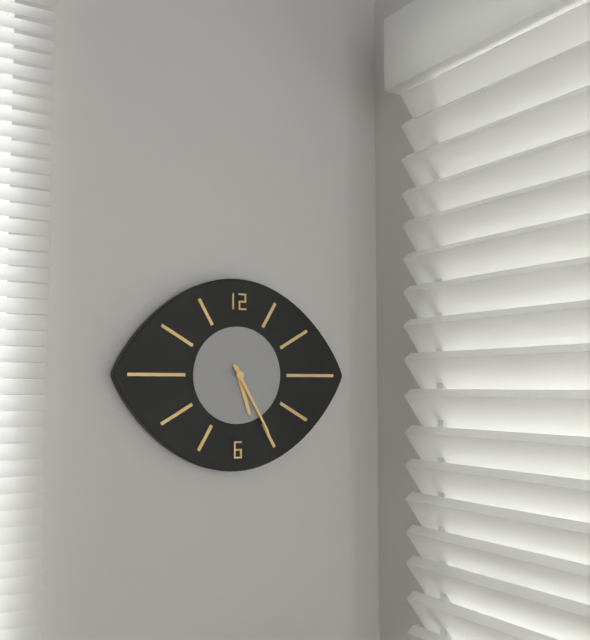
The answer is 5,25
